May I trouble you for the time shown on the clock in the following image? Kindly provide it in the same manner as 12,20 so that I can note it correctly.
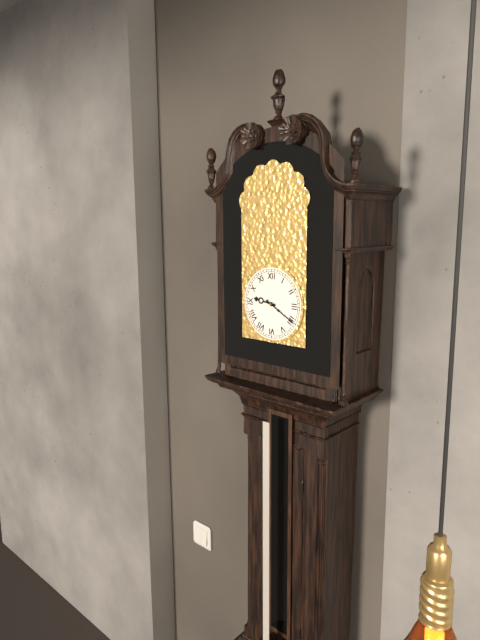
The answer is 9,20
